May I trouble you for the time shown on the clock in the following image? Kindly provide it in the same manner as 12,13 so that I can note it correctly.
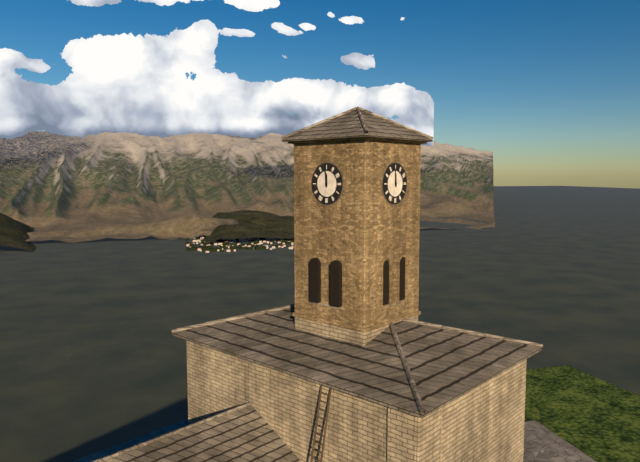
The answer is 11,59
